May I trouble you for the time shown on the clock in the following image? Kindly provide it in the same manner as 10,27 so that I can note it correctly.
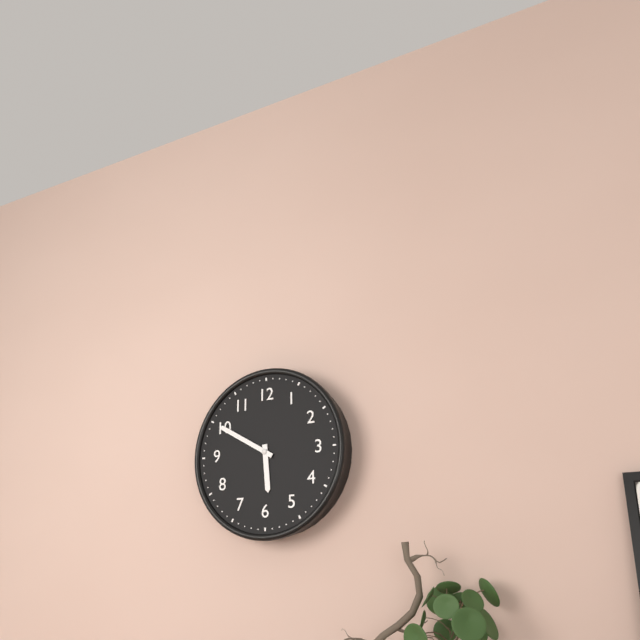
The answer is 5,50
